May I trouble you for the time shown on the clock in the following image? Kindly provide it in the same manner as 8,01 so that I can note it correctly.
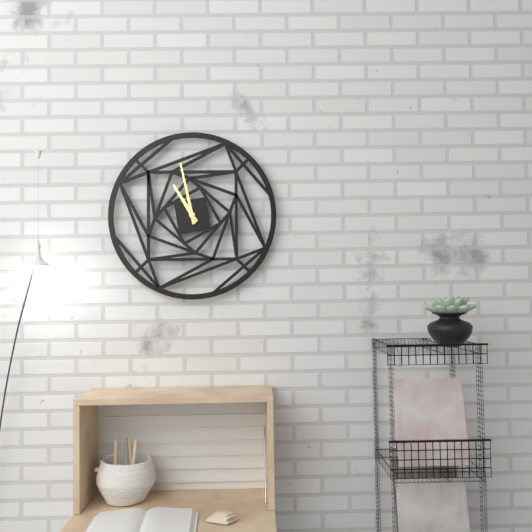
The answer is 10,58
